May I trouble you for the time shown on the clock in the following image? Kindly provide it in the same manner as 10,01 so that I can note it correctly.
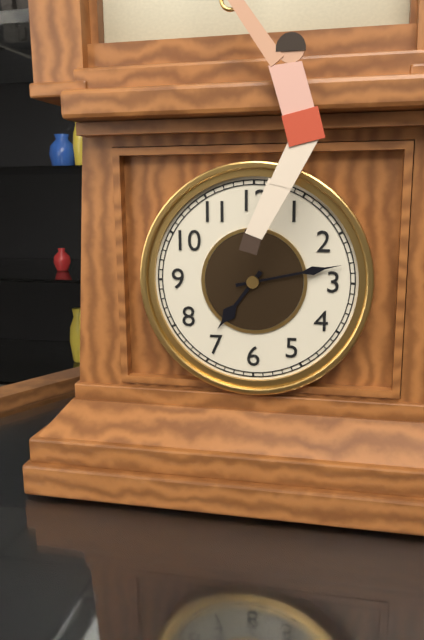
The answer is 7,13
